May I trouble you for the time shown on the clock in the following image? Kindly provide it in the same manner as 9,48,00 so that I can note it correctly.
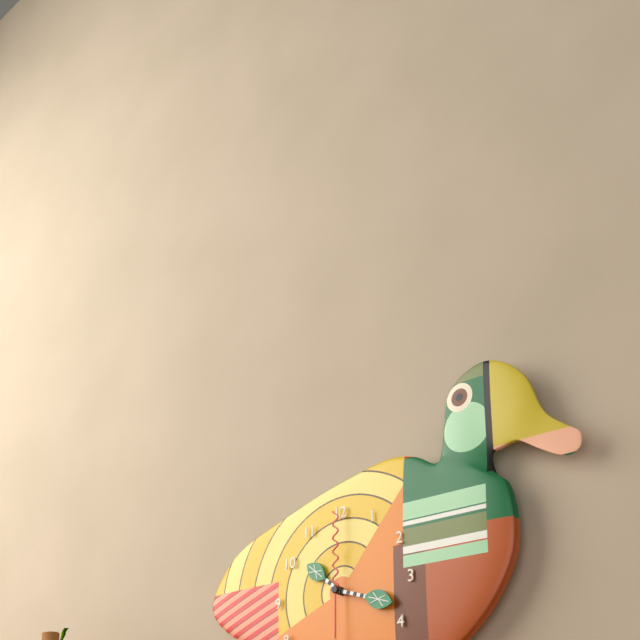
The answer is 10,18,00
